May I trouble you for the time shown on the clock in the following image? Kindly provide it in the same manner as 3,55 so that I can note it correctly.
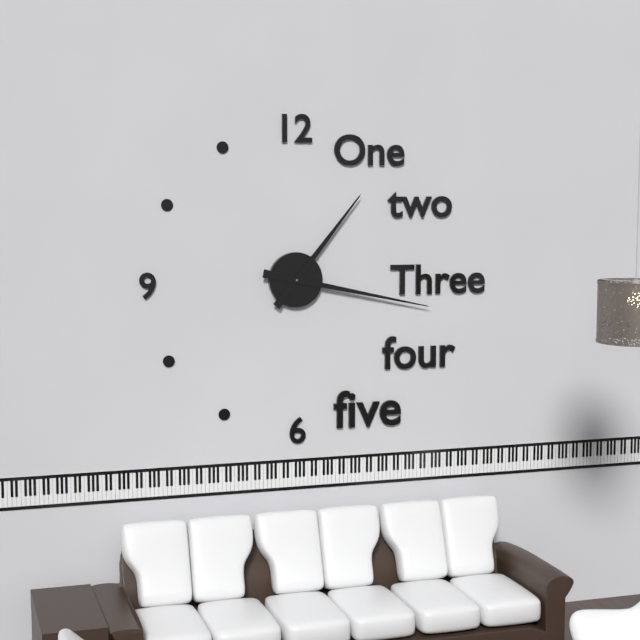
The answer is 1,17
